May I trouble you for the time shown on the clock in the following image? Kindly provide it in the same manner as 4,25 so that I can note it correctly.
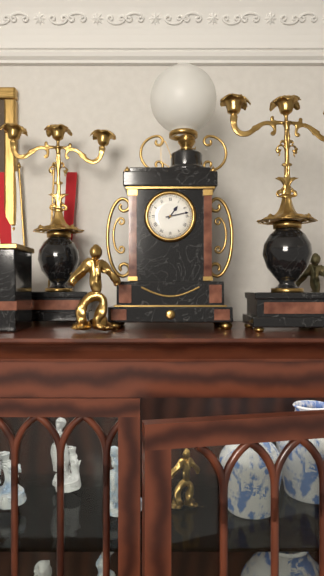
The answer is 1,13
